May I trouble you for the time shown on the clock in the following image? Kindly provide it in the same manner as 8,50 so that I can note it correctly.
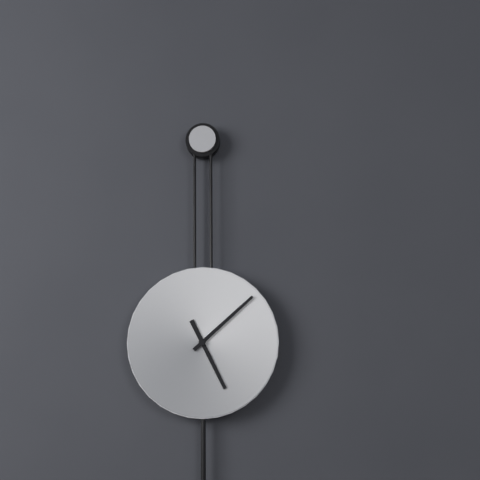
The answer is 5,08
